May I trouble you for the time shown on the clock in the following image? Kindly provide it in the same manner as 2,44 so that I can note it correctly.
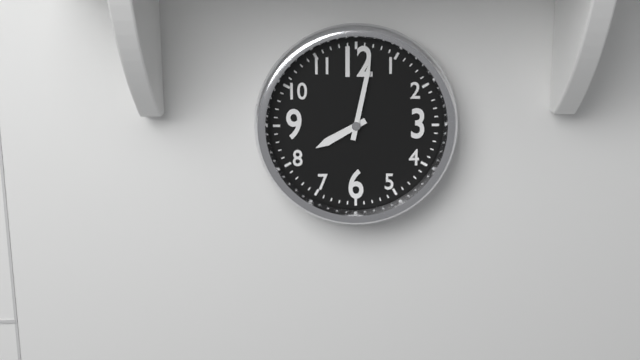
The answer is 8,02
